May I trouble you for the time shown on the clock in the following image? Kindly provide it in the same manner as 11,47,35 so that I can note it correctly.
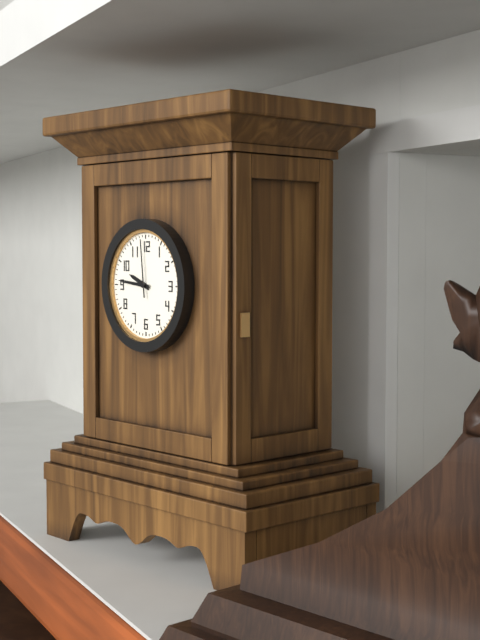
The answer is 9,46,59
